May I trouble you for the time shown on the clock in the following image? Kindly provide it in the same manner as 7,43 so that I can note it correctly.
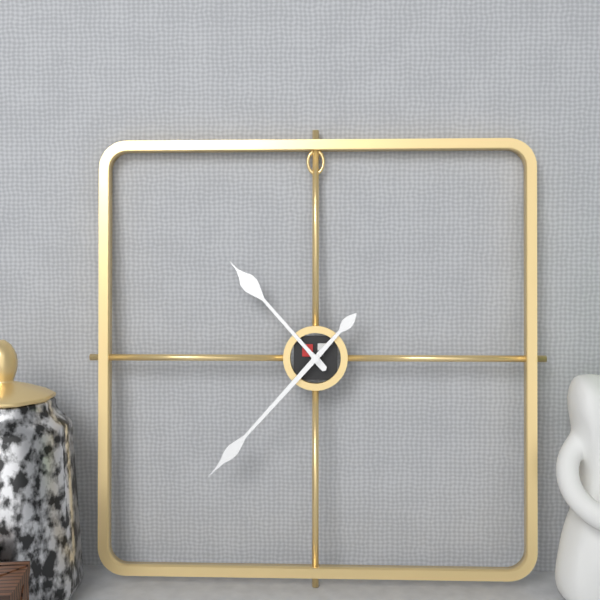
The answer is 10,37
